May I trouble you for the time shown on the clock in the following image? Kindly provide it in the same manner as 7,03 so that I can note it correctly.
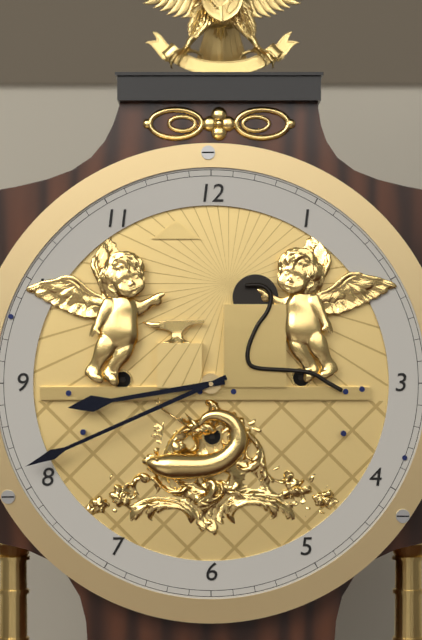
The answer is 8,41
